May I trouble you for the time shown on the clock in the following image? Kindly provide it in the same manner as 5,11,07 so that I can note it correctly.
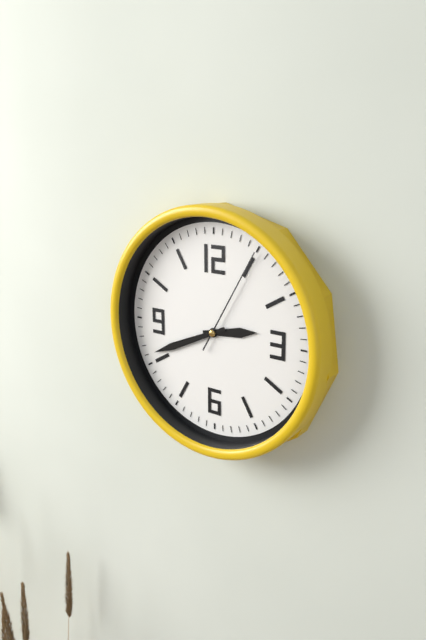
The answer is 2,41,05
